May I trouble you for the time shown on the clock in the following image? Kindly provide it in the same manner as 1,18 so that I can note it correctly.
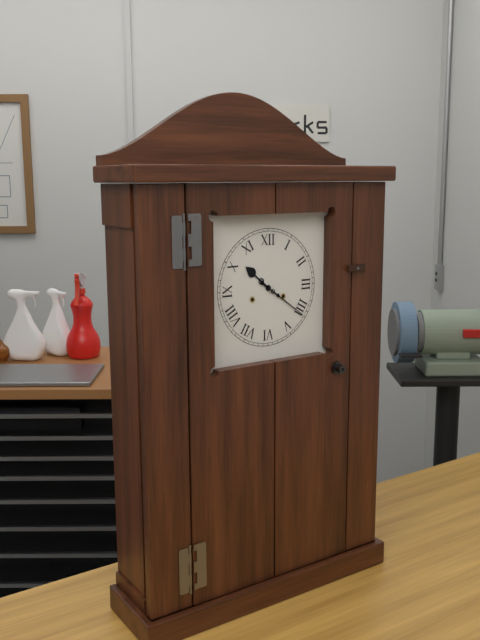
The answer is 10,21
